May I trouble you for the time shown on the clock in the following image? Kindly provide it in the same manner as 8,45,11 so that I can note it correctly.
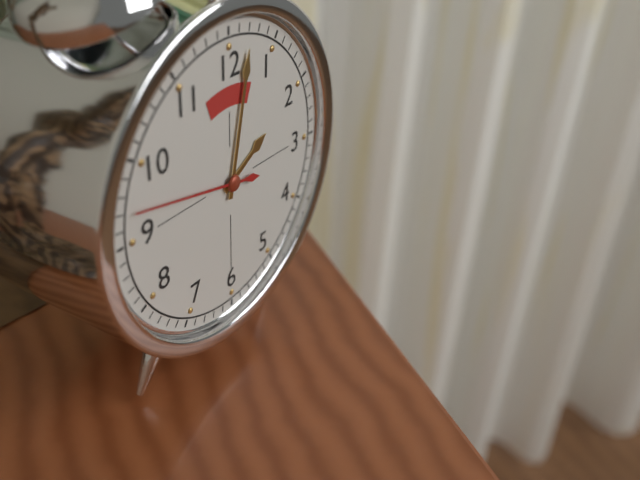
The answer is 2,02,47
